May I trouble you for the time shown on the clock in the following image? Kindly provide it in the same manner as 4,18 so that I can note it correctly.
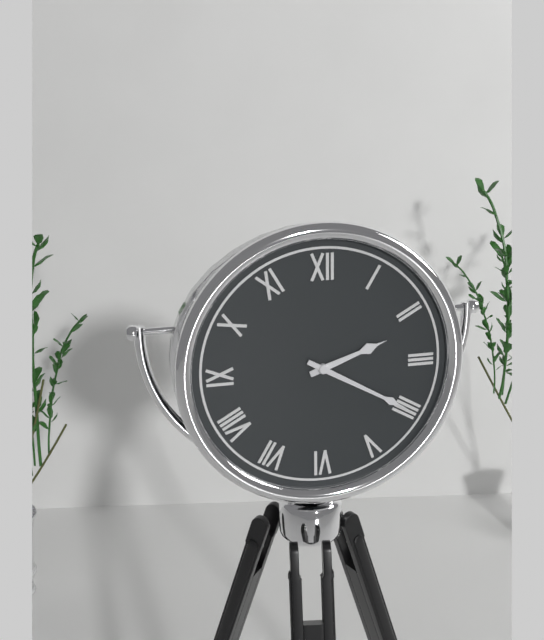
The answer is 2,20
